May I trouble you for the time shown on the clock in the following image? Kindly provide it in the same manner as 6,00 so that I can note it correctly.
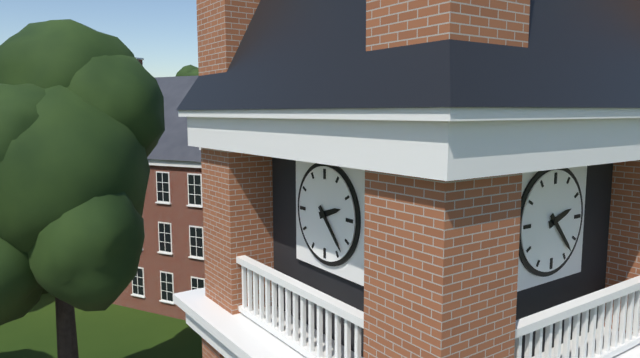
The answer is 2,23
